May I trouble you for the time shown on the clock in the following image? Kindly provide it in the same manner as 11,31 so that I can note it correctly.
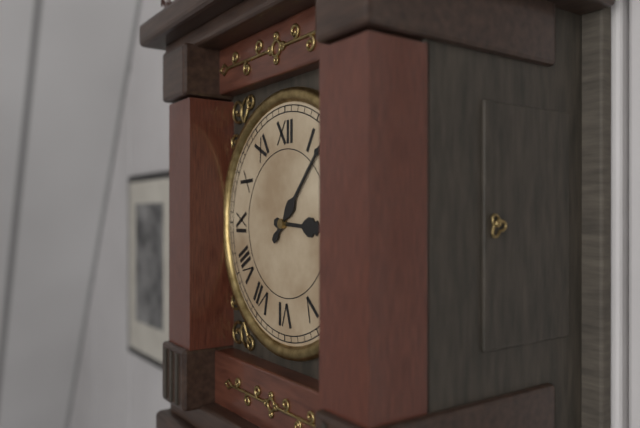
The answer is 3,07
